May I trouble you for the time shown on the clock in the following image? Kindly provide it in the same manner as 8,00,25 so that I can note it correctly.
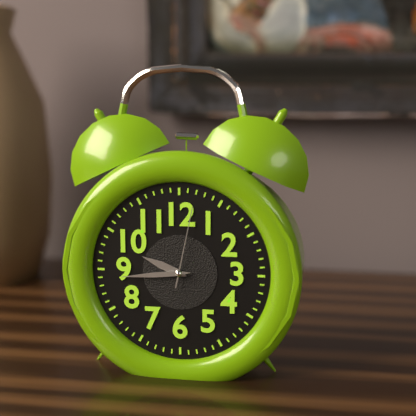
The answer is 9,44,02
